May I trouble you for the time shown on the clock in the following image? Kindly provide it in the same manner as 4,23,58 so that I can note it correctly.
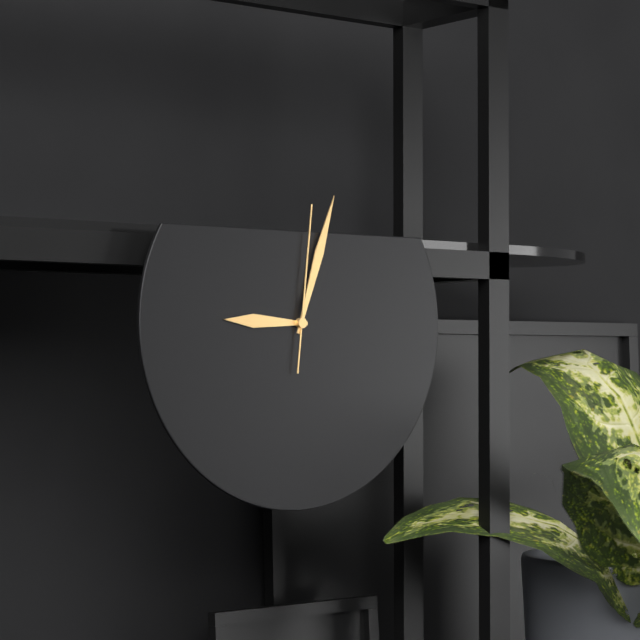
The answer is 9,03,01
